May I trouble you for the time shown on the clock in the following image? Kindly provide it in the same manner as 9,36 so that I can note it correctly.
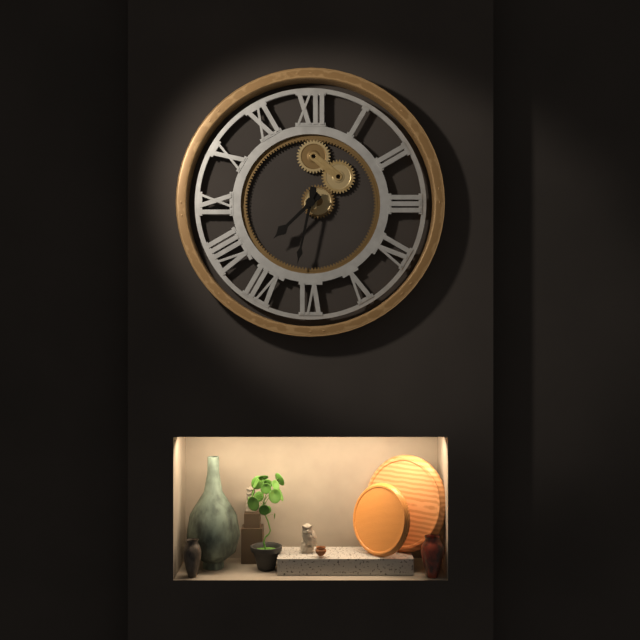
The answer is 7,32
